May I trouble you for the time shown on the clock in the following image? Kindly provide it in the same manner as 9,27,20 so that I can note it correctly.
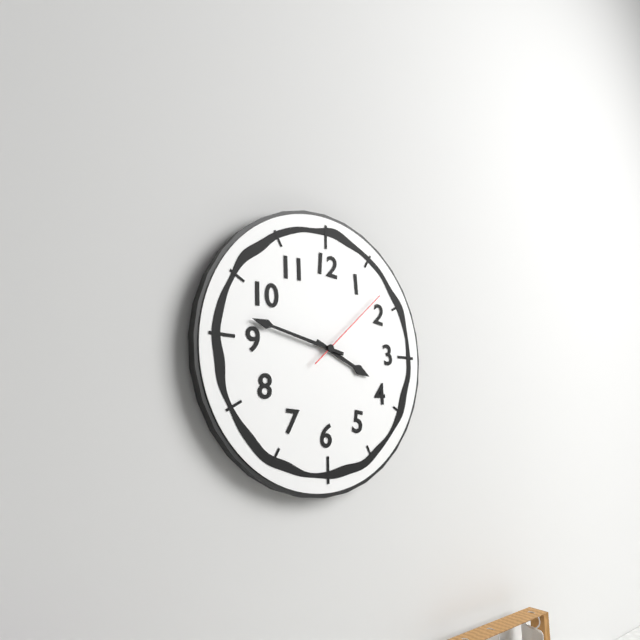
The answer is 3,47,08
